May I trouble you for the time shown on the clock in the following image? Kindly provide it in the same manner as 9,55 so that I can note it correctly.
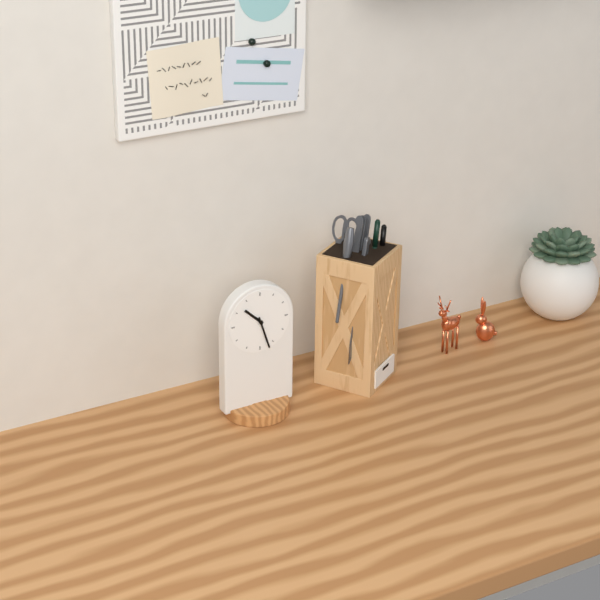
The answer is 10,27
